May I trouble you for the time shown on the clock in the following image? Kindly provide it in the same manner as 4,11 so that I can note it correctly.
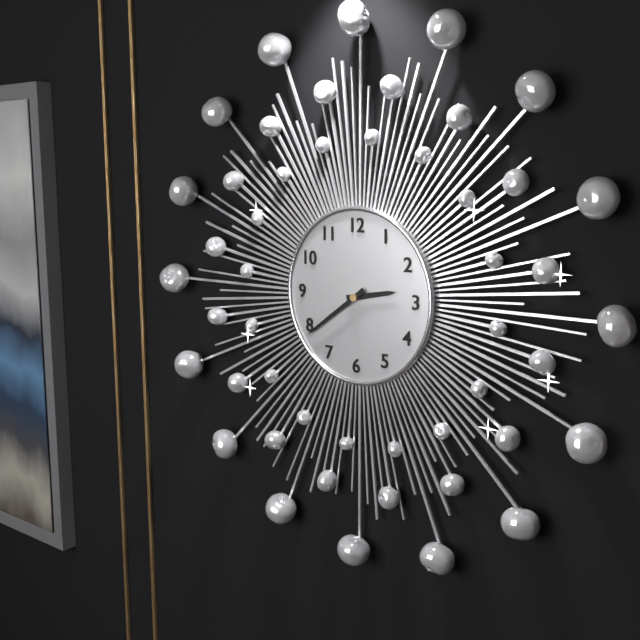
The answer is 2,39
